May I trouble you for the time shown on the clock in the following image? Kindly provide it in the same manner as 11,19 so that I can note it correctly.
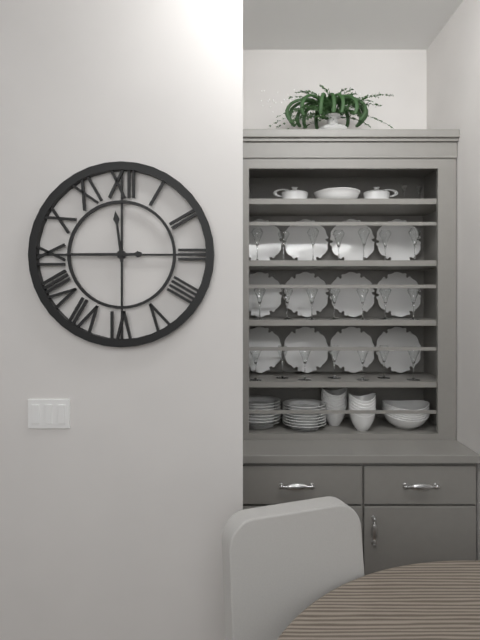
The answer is 11,45
